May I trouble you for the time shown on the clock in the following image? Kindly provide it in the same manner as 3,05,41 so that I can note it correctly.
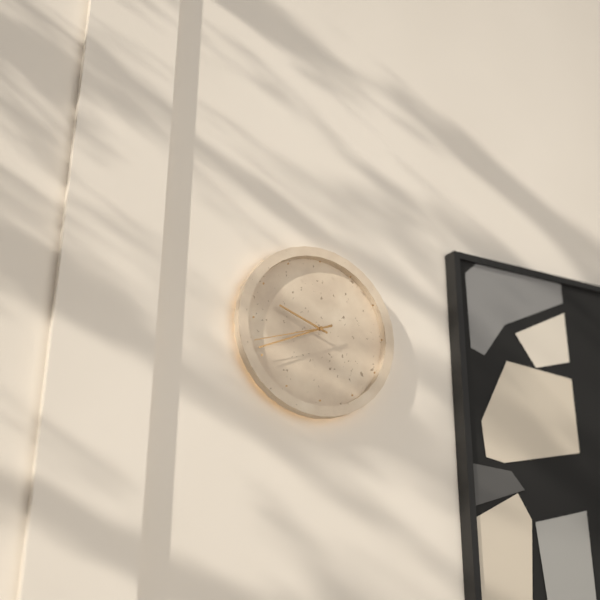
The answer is 9,41,42
